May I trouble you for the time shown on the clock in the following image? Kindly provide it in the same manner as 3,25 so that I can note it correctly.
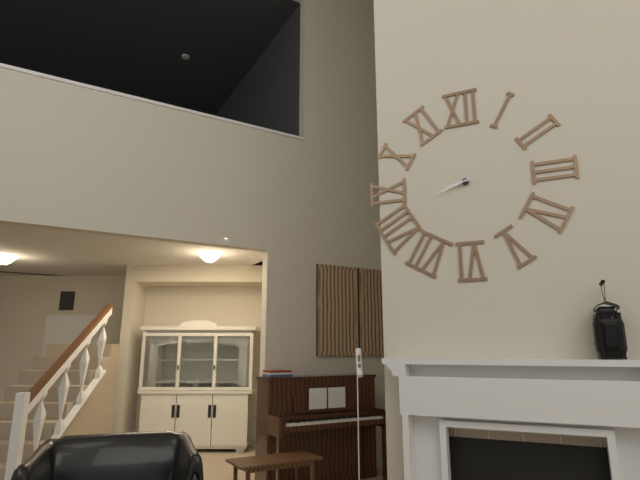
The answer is 8,42
